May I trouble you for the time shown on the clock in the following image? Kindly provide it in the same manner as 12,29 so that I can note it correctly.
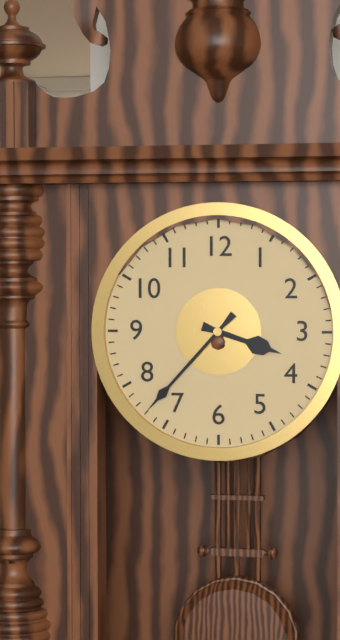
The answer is 3,37
